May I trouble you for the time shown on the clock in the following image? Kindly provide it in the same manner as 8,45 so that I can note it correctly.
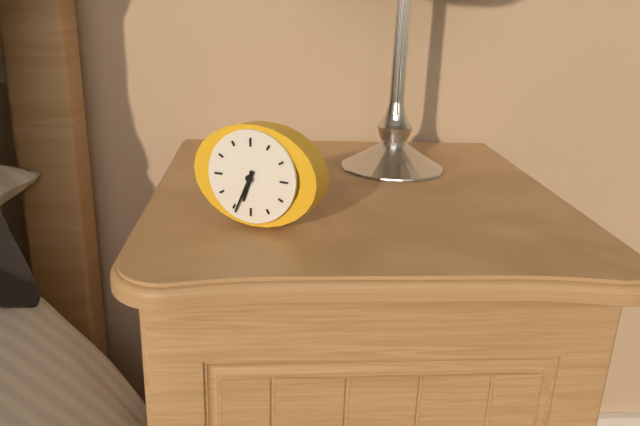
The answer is 6,34
